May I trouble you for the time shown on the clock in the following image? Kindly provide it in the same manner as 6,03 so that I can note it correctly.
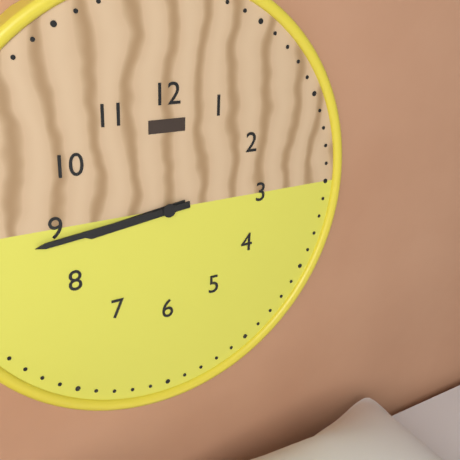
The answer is 8,44
